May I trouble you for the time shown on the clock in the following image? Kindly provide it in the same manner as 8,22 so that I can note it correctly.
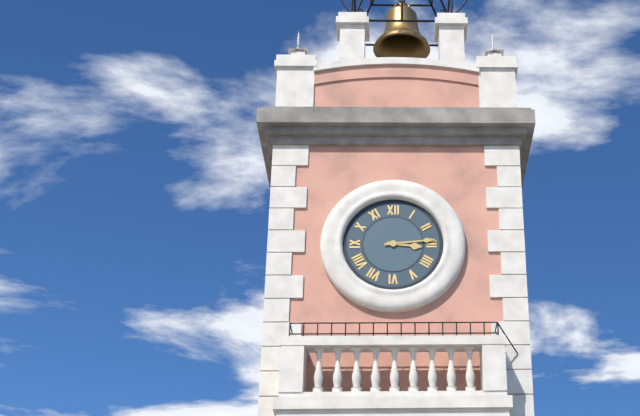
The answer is 3,14
